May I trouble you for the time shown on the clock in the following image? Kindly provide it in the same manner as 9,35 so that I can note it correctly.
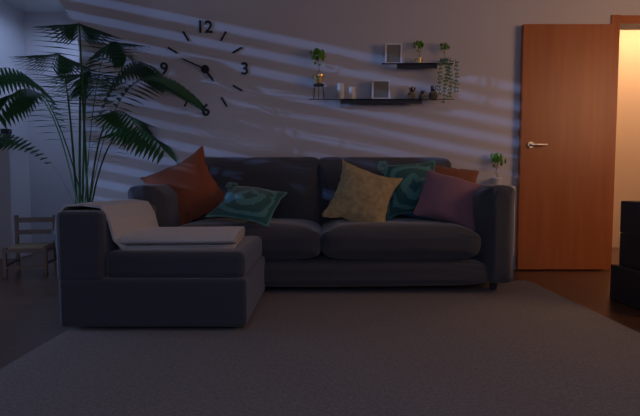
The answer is 4,49
